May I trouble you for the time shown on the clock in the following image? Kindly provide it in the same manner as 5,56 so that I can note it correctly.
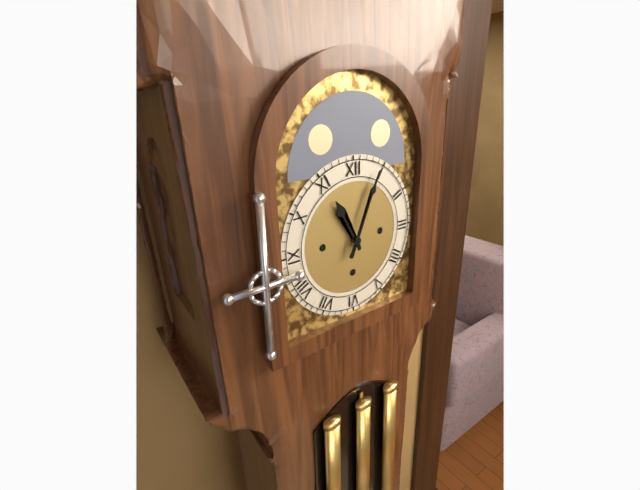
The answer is 11,04
